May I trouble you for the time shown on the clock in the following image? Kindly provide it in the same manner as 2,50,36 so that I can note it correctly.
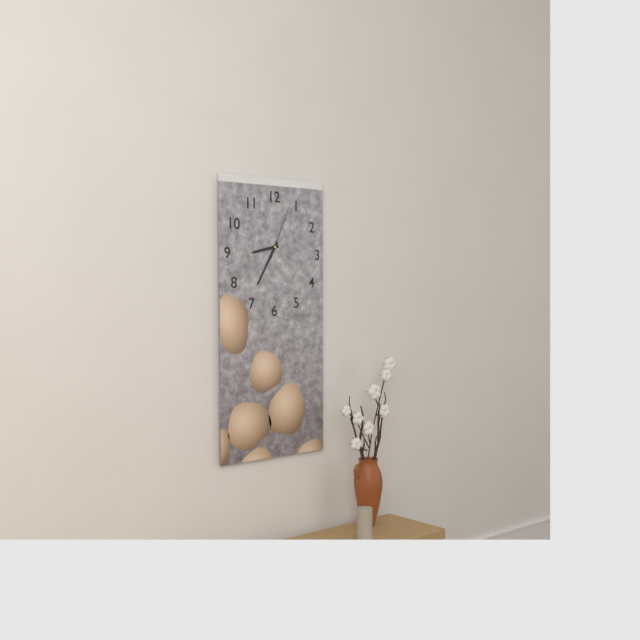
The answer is 8,35,04
